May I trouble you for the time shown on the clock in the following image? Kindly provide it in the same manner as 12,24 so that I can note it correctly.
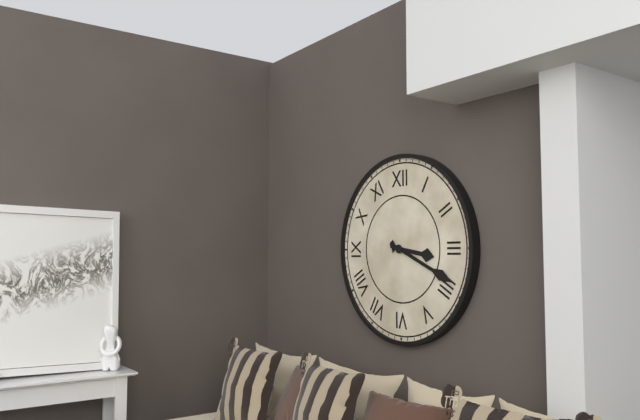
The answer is 3,19
